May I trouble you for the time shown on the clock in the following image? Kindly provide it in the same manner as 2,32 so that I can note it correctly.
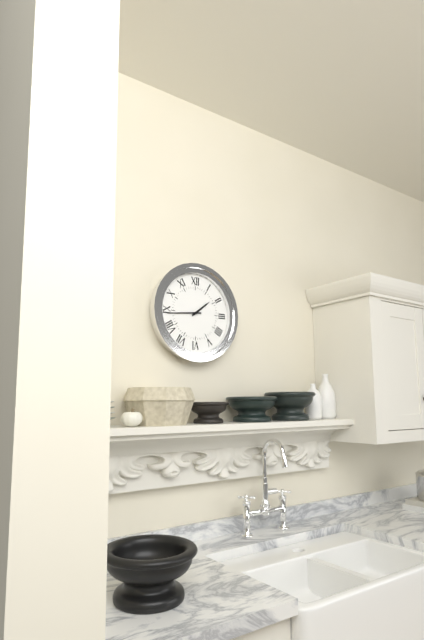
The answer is 1,44
